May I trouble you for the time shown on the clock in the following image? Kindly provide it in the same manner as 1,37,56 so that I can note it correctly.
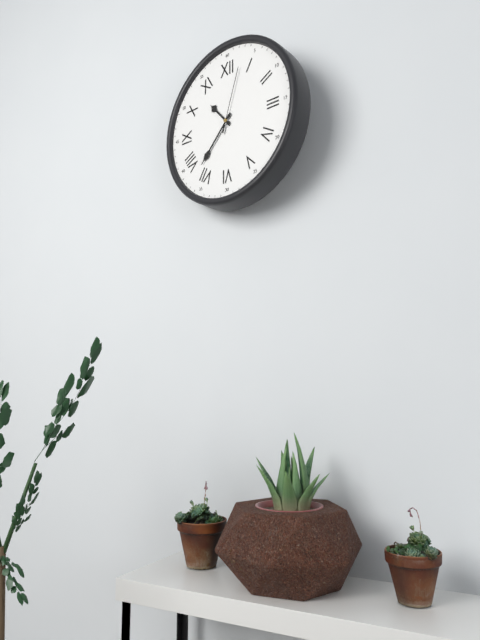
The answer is 10,37,03
